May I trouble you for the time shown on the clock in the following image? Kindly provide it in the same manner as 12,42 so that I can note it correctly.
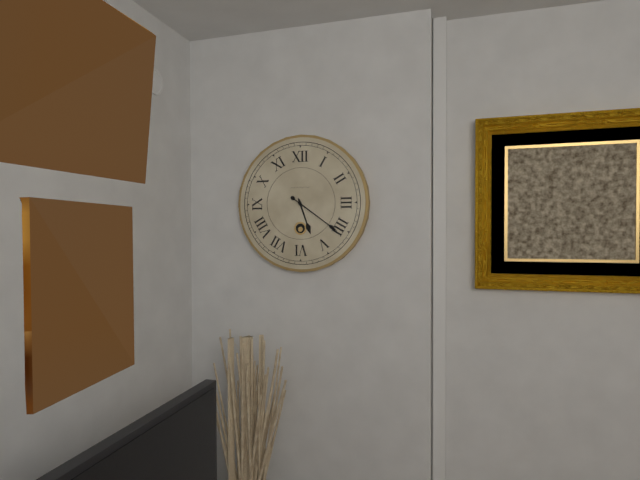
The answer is 5,21
